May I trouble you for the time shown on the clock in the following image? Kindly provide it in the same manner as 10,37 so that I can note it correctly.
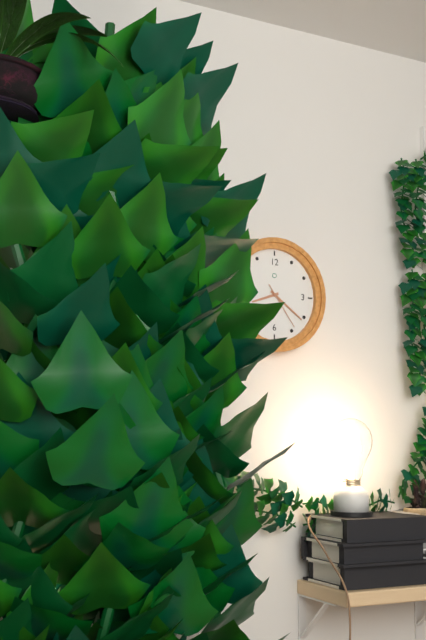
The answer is 8,21
